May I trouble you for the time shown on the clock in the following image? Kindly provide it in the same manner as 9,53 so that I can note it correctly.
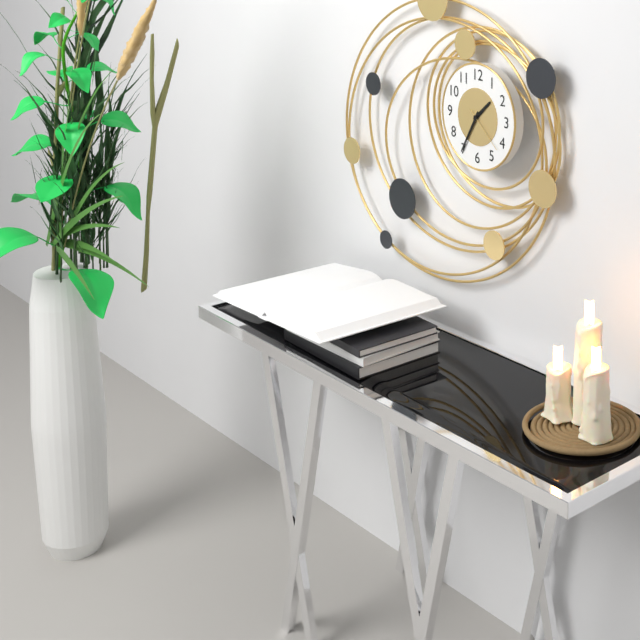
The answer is 1,35
